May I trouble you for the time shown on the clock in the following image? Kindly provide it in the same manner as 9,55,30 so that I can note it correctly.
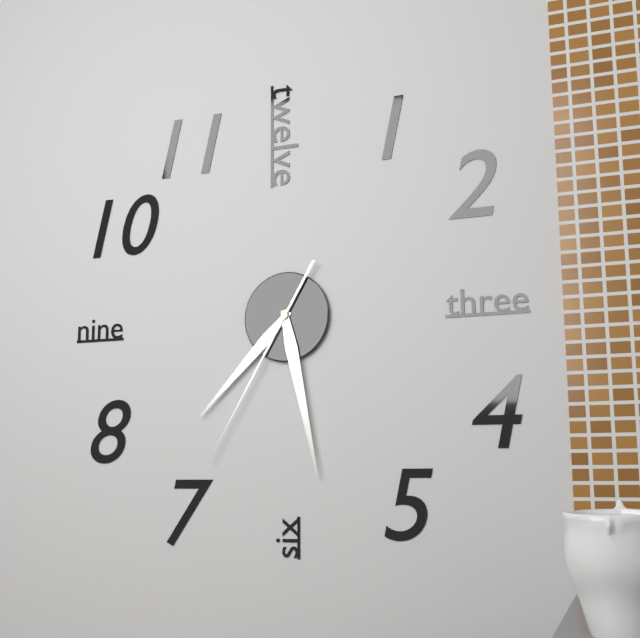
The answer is 7,28,35
